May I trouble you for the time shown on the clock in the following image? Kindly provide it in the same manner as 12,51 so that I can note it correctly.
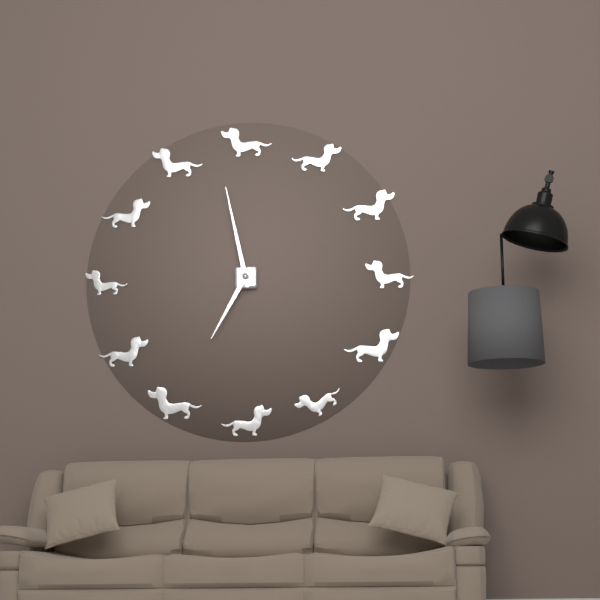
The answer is 6,58
